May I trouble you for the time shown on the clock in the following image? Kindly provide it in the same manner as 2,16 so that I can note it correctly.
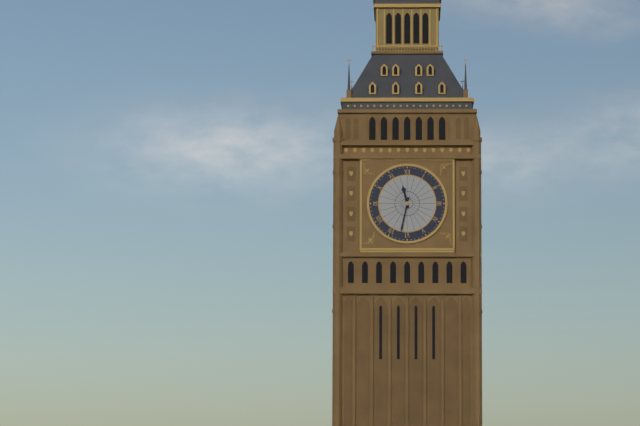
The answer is 11,32
